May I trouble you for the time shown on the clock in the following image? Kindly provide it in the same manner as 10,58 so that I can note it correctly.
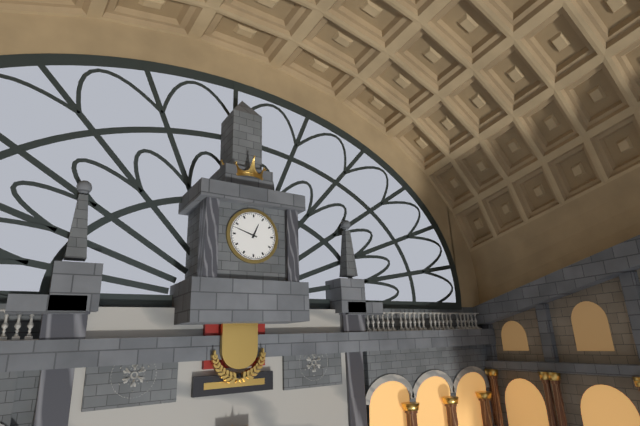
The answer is 12,48
